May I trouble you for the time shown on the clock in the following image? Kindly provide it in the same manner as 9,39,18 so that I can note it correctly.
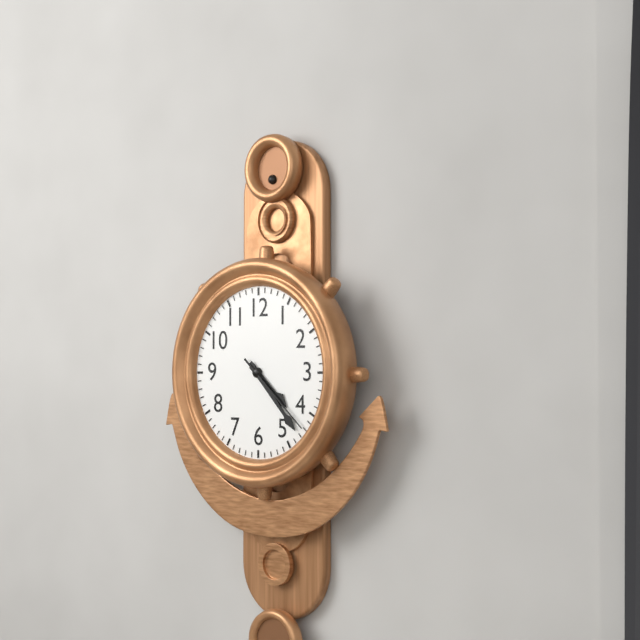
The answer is 4,23,22
